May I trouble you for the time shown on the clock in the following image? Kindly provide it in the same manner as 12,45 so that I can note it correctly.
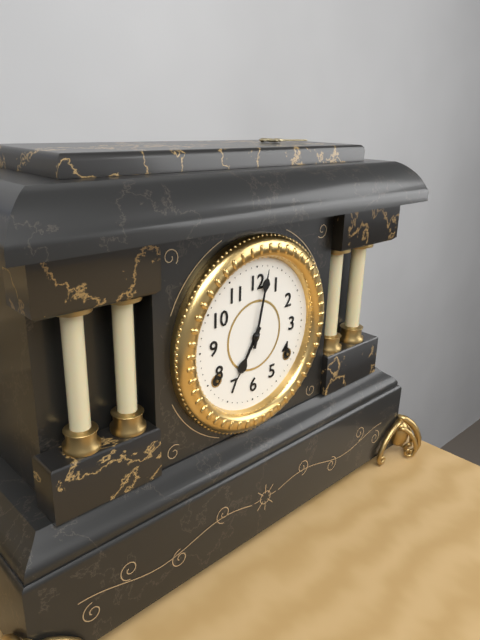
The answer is 7,02
